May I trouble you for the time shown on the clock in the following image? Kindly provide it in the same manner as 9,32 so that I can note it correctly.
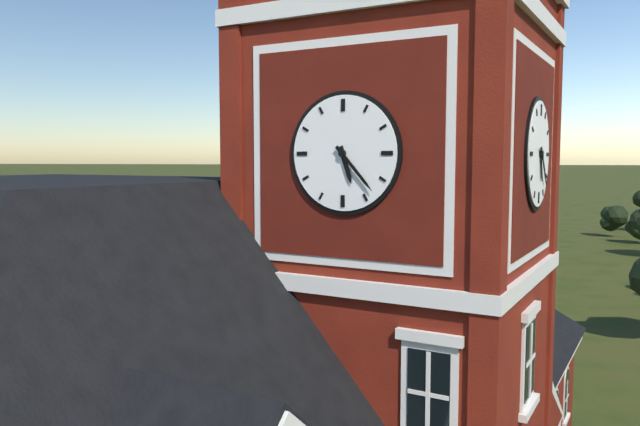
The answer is 5,23
